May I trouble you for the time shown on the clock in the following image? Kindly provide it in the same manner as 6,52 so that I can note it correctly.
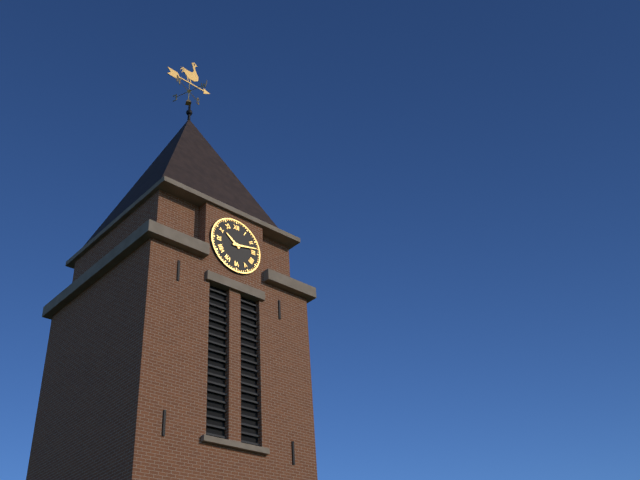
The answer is 10,13
